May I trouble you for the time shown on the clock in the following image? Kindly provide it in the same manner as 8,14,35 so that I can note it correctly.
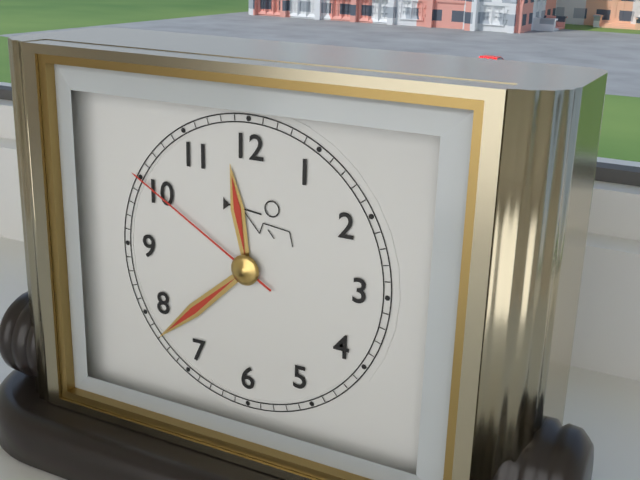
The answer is 11,38,50
